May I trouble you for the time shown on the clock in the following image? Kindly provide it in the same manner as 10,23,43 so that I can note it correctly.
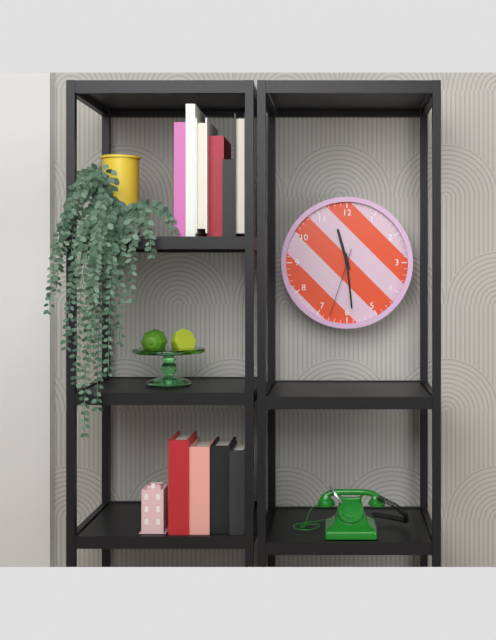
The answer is 11,29,33
